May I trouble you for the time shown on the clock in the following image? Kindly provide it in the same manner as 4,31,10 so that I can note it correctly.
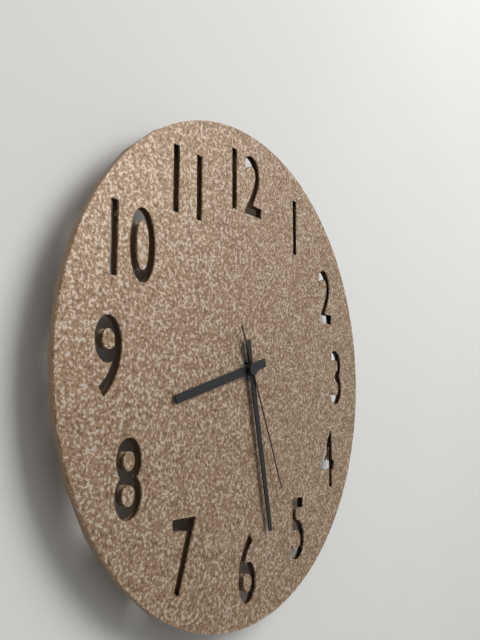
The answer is 8,28,26
